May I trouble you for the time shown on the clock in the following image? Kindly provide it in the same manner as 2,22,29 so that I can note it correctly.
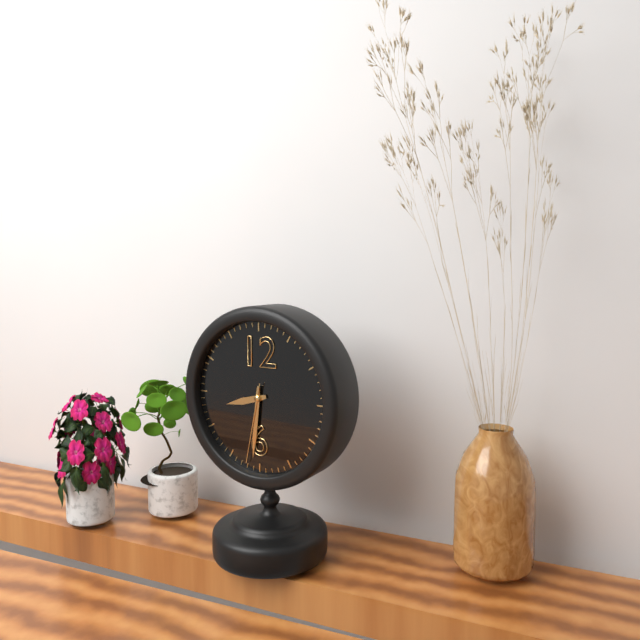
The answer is 8,31,32
